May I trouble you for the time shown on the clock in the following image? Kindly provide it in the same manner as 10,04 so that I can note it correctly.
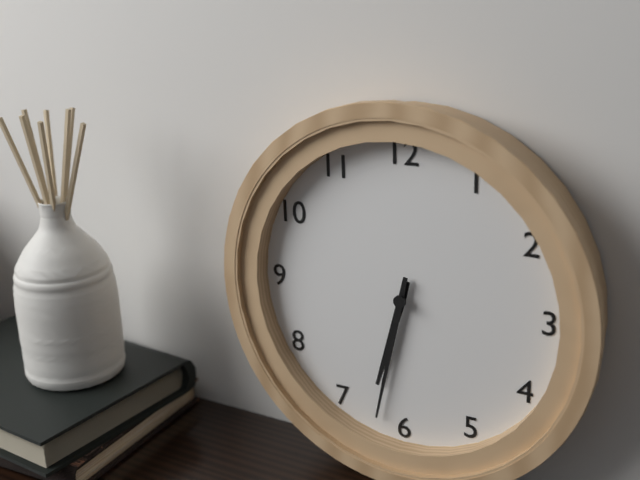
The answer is 6,32
